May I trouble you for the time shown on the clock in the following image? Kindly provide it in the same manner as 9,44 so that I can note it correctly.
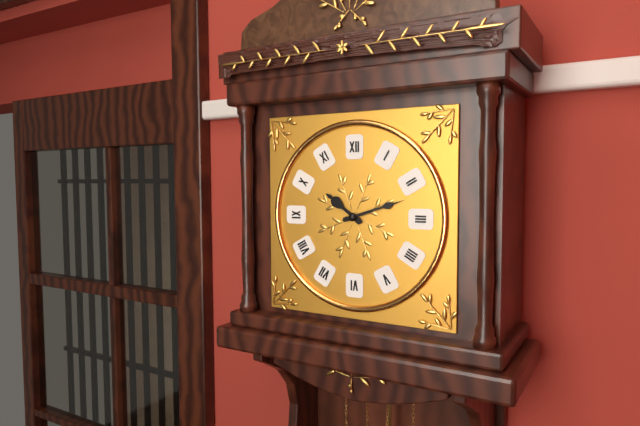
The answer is 10,12
